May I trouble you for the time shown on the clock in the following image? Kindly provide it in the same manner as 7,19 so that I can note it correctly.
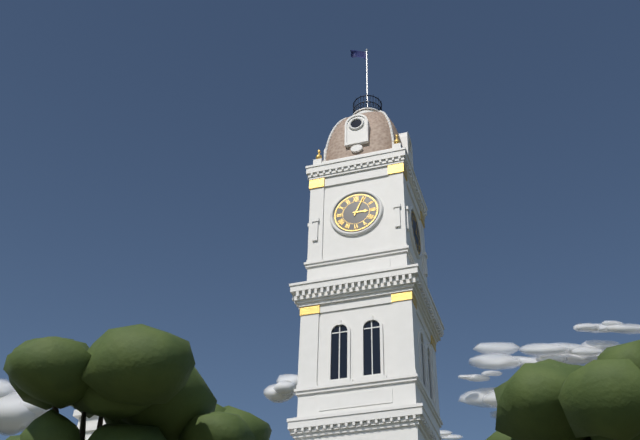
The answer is 3,04
